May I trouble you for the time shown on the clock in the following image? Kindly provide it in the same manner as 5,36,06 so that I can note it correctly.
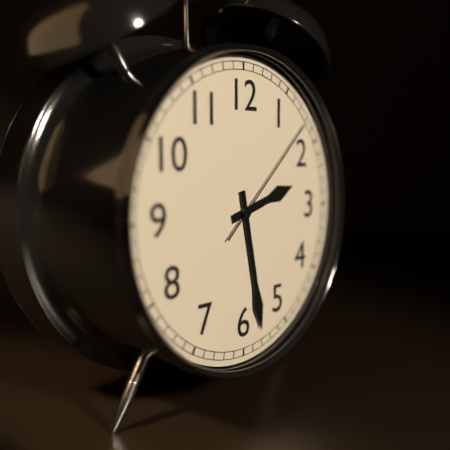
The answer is 2,28,08
